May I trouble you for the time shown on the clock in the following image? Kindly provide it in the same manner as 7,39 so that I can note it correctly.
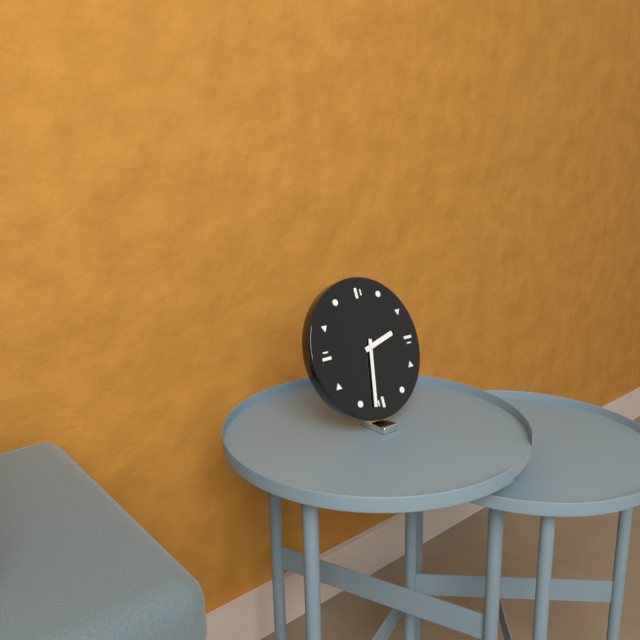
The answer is 2,32
